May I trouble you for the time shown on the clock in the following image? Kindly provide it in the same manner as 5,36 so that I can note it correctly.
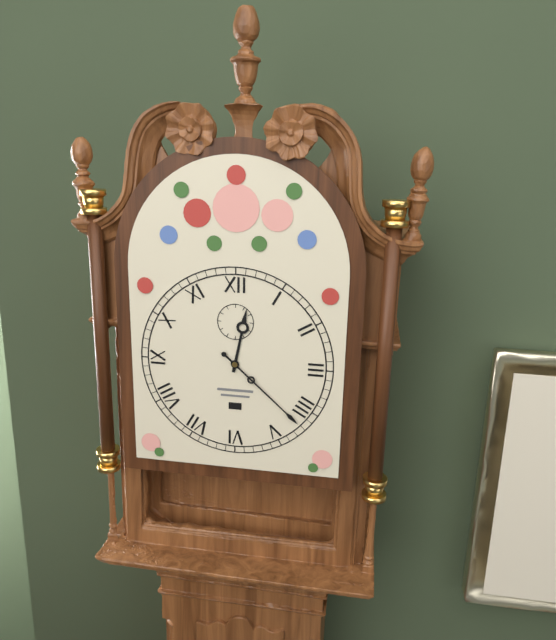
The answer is 12,22
